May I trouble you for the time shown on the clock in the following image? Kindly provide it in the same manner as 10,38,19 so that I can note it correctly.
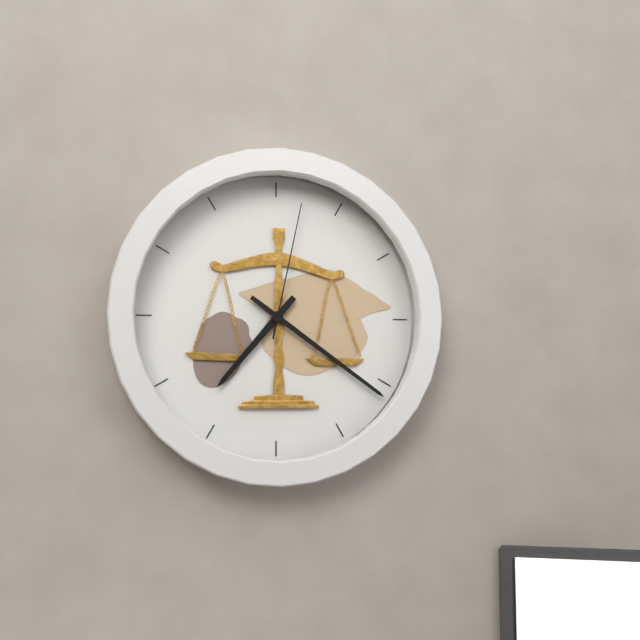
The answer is 7,21,02
